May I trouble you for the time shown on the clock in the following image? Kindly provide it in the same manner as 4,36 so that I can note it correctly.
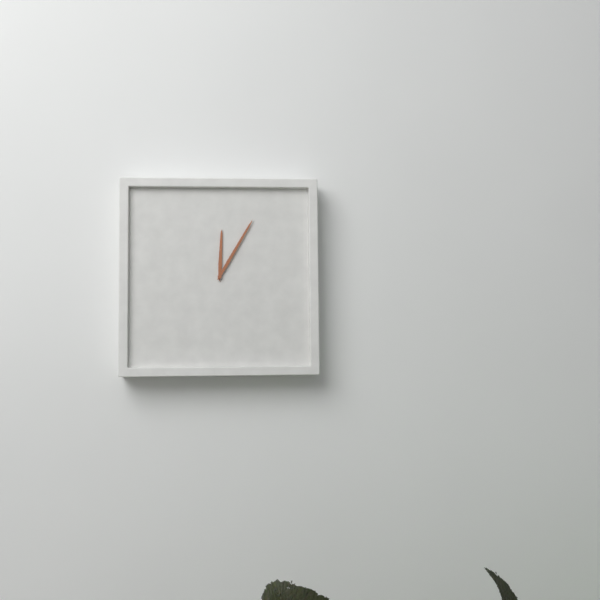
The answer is 12,05
